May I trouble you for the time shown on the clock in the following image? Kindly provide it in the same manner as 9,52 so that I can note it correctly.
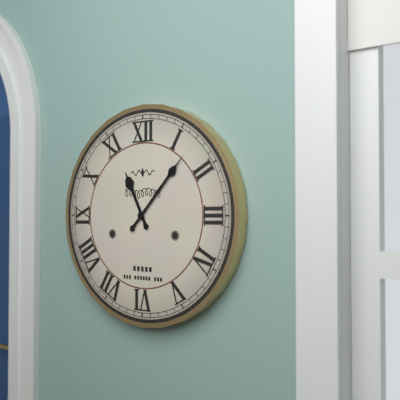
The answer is 11,07
